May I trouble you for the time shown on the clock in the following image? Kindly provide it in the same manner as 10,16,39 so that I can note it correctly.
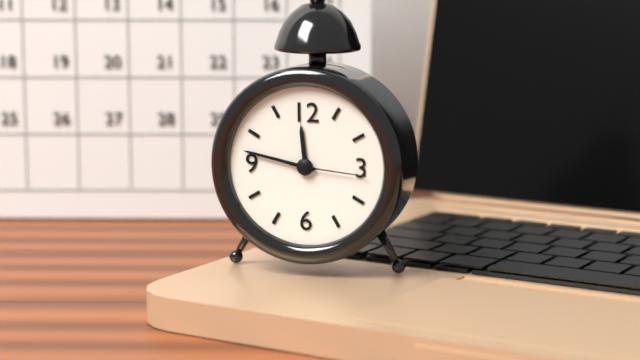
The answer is 11,47,16
